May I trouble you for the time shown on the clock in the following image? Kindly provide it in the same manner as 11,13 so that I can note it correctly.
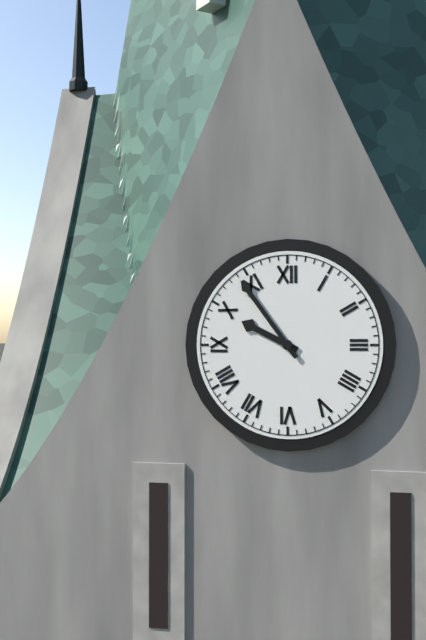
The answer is 9,54
